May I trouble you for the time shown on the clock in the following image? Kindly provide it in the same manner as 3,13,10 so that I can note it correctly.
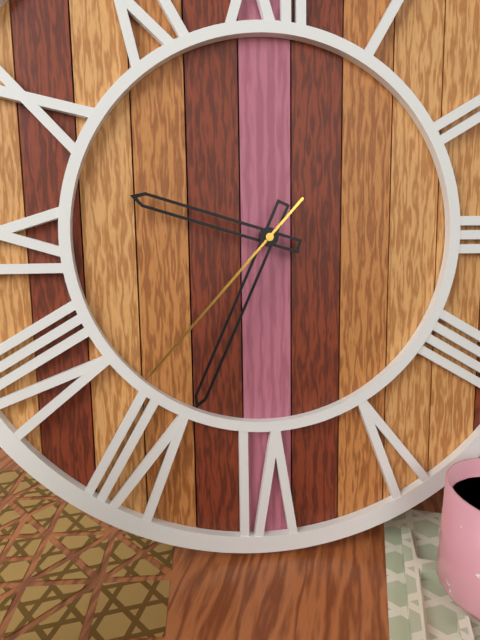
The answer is 9,34,37
